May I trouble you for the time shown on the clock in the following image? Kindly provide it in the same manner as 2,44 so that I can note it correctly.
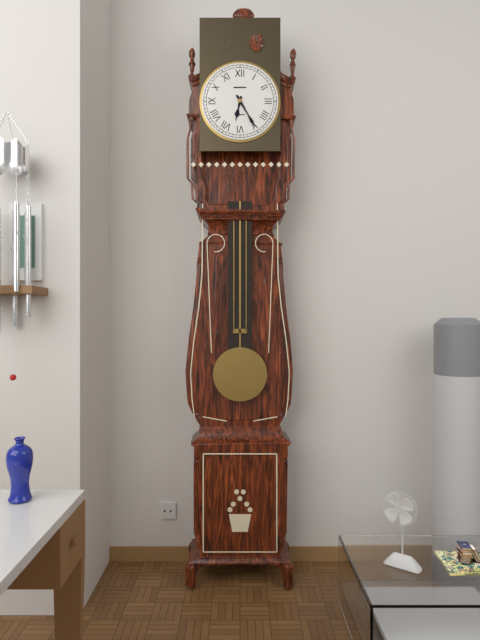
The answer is 6,25
